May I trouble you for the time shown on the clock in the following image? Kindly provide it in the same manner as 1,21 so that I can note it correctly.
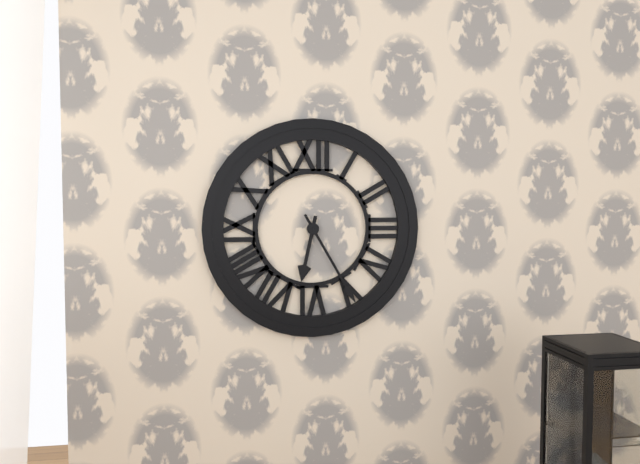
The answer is 6,25
